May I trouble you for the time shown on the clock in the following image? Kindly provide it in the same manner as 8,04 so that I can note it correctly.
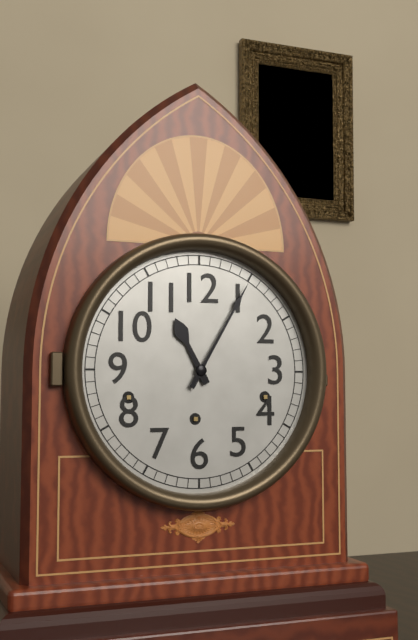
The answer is 11,05
